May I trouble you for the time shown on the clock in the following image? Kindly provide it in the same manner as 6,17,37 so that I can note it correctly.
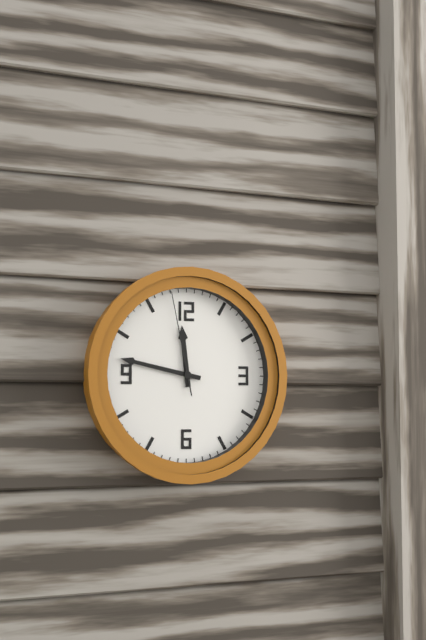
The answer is 11,47,58
